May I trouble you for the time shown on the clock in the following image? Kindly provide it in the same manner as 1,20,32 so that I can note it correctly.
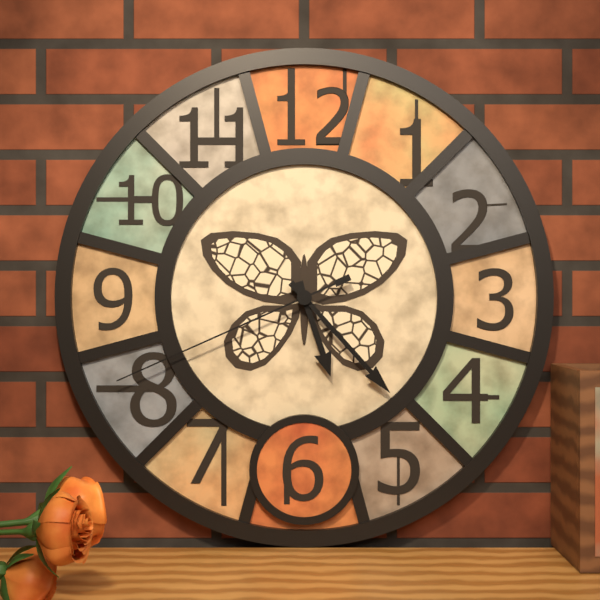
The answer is 5,23,41
